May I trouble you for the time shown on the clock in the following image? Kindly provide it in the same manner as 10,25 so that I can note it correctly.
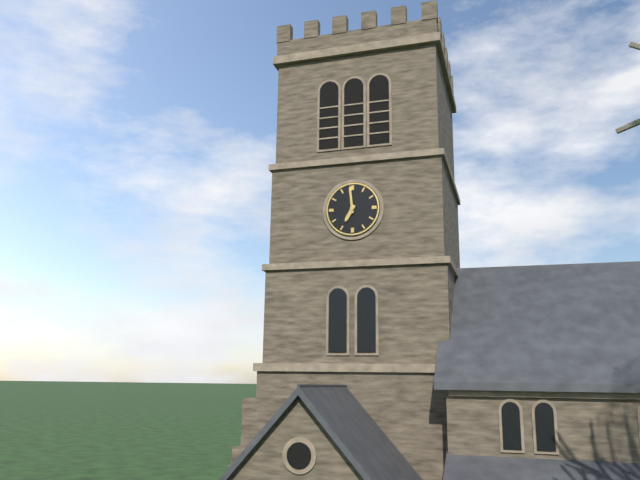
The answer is 6,59
